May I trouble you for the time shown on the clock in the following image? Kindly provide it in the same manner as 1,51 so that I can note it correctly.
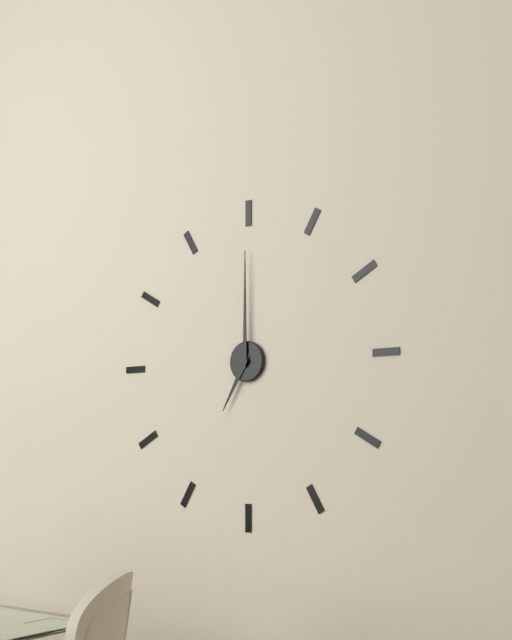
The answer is 7,00
